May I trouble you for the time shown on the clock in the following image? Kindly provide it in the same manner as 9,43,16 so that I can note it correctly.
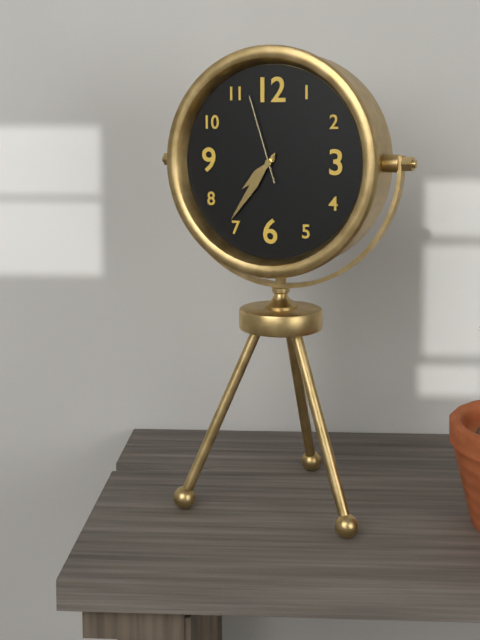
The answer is 7,36,57
